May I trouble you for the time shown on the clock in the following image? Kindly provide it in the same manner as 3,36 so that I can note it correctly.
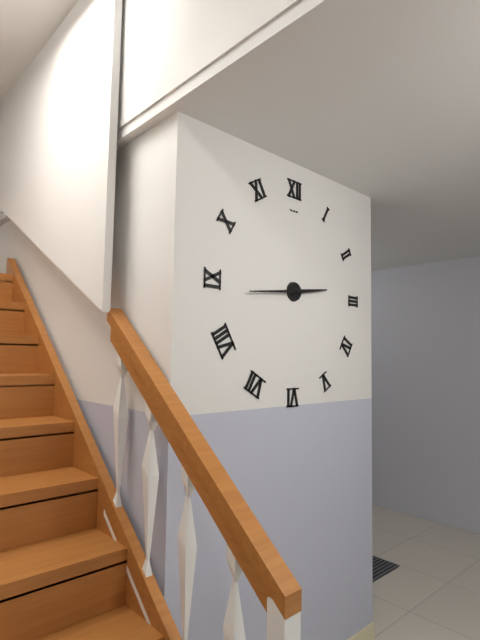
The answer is 2,44
